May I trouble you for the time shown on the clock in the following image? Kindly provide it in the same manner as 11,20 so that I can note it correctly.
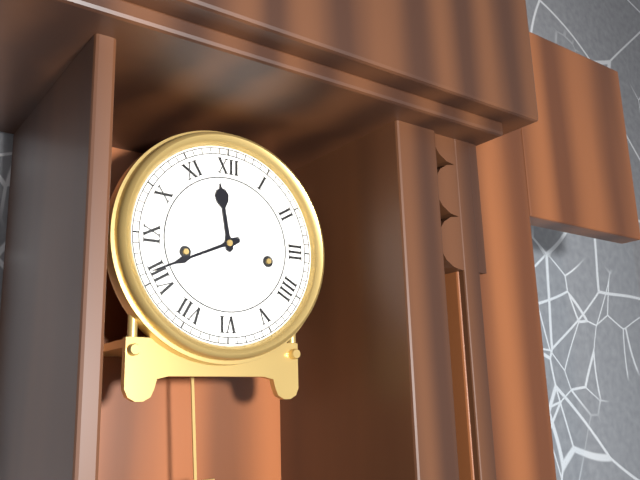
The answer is 11,41
